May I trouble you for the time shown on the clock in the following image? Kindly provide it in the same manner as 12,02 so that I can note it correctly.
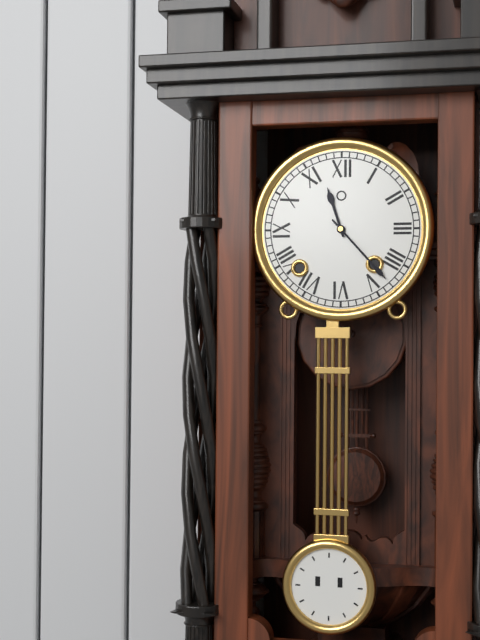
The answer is 11,23
